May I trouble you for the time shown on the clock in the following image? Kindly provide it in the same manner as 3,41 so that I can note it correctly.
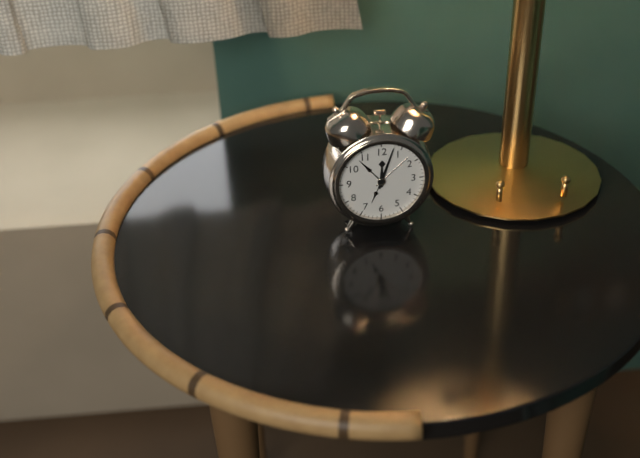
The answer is 12,03
